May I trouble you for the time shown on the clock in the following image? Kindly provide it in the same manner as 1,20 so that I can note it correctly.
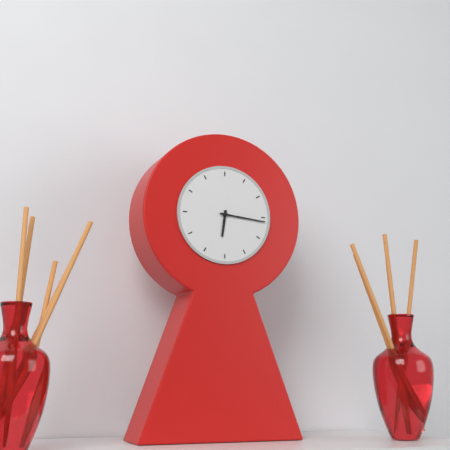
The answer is 6,16
